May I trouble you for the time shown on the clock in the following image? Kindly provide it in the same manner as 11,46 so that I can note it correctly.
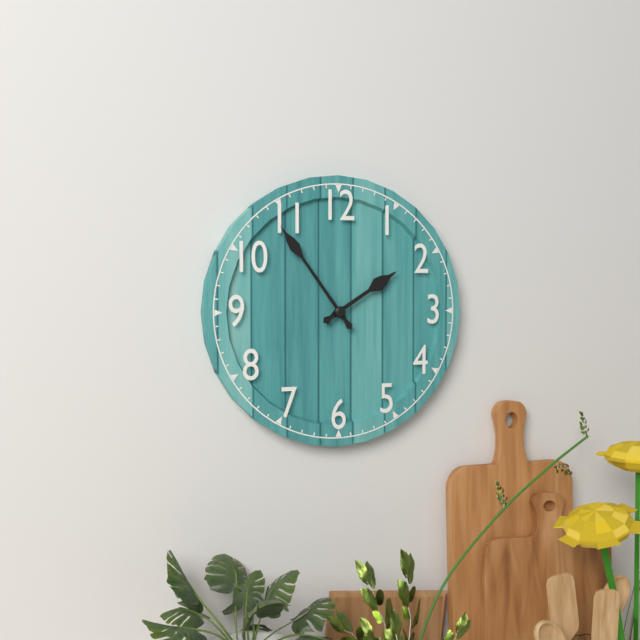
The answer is 1,54
